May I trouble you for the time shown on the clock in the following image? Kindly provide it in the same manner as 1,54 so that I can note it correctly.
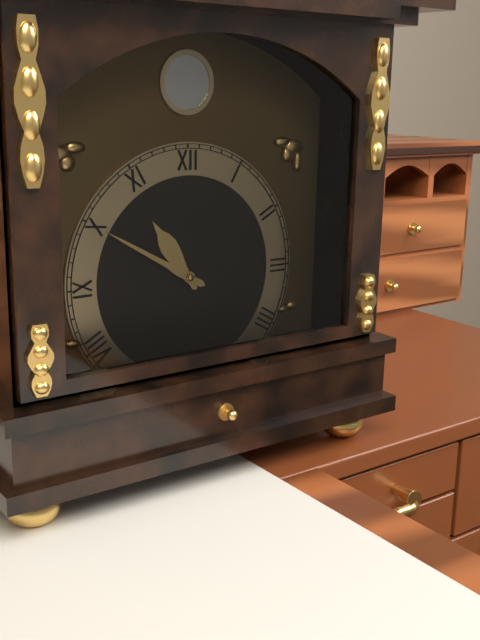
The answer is 10,50
